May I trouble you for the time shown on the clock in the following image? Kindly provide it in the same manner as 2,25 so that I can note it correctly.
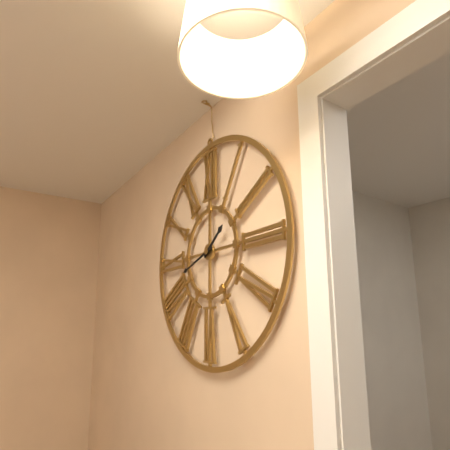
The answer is 1,42
